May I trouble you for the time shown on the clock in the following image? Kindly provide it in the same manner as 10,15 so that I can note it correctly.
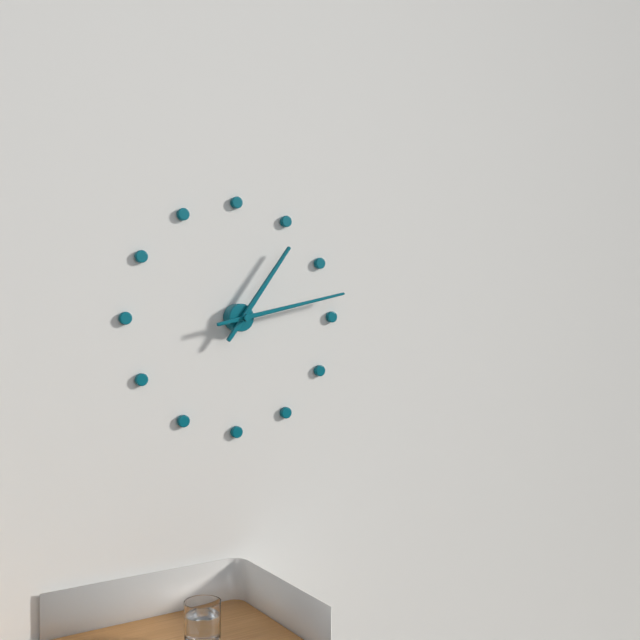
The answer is 1,13
